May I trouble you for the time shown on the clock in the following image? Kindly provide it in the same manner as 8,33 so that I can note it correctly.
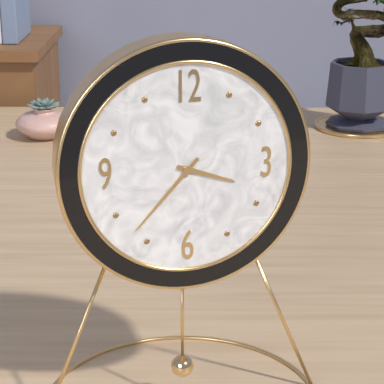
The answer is 3,37
